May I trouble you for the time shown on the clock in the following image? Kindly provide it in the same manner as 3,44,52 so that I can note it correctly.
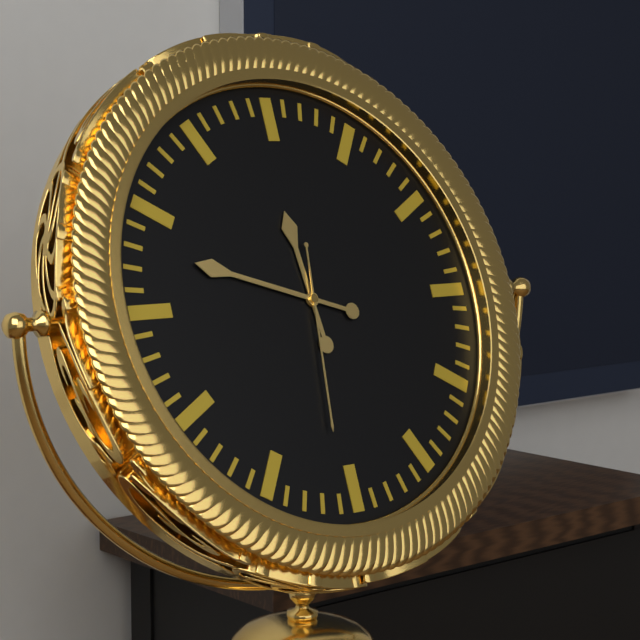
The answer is 11,48,31
